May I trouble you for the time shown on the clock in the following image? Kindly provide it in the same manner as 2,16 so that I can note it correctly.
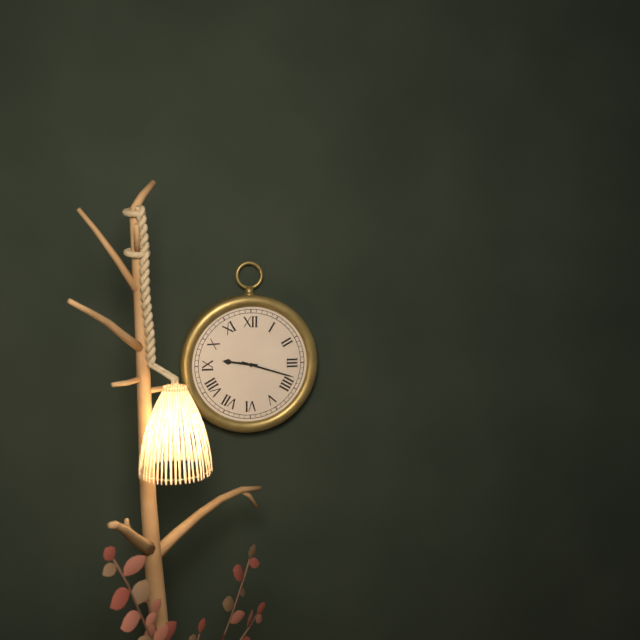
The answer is 9,18
